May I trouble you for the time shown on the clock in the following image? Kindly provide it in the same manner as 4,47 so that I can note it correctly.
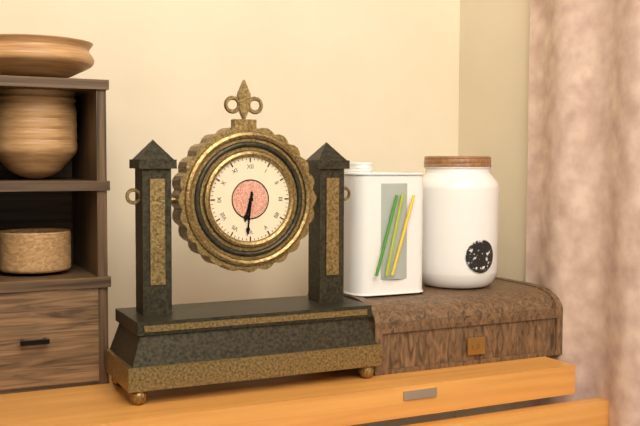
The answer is 6,31
